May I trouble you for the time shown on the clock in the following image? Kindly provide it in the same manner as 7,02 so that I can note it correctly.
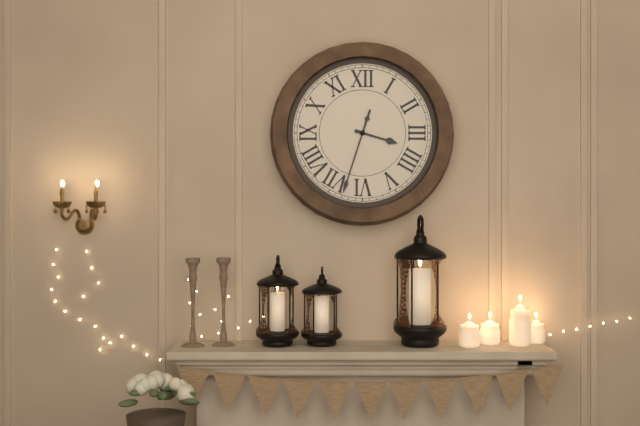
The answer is 3,33
